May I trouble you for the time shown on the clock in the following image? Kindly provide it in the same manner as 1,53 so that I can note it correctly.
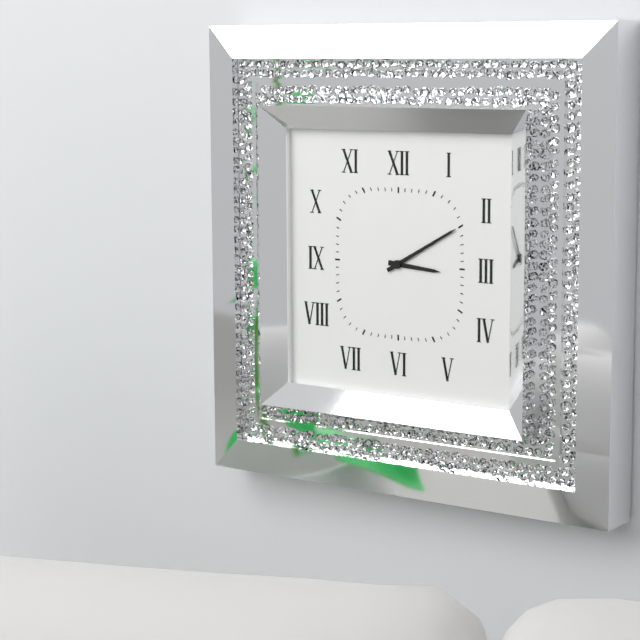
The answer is 3,10
